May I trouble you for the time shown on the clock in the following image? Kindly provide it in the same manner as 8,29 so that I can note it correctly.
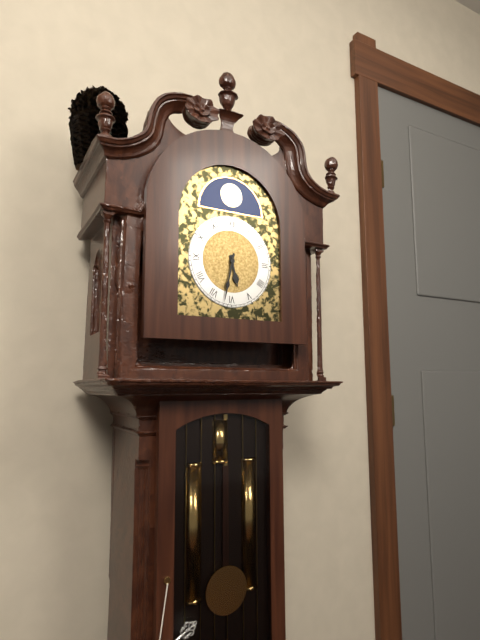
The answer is 5,32
